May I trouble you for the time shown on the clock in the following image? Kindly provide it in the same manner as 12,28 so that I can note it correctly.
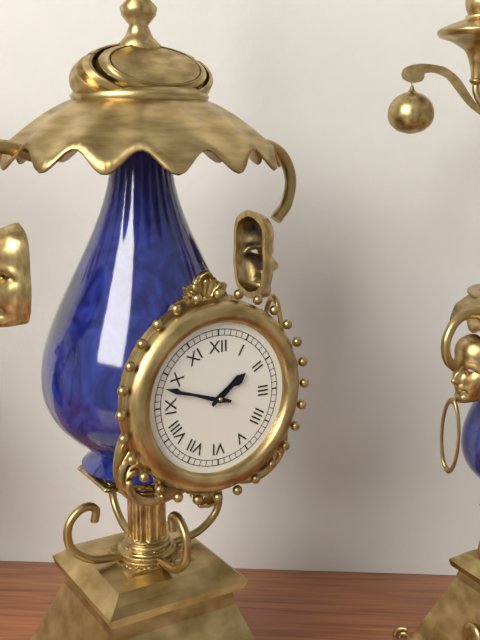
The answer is 1,48
